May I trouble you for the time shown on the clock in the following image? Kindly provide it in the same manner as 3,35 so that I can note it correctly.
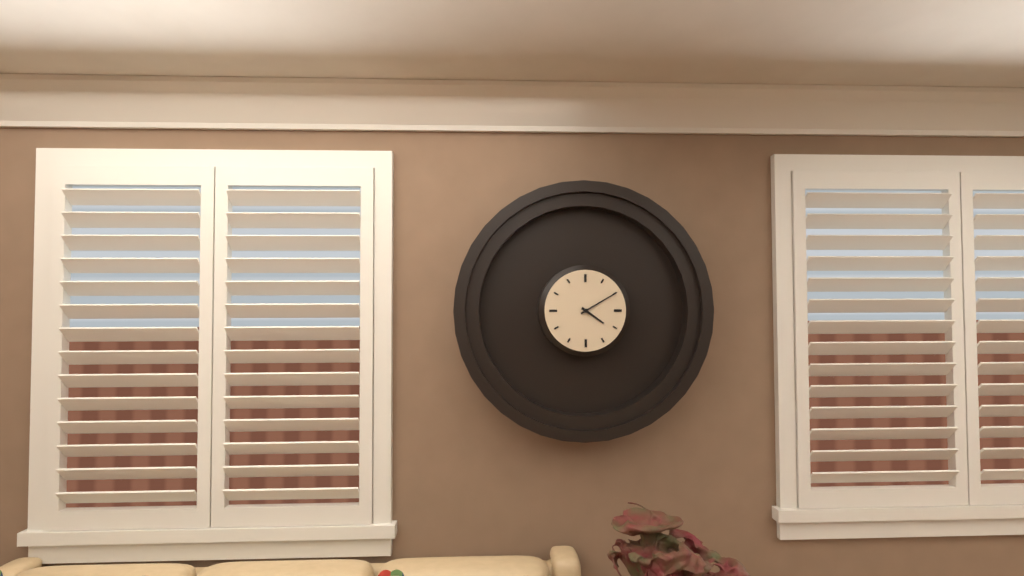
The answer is 4,10
